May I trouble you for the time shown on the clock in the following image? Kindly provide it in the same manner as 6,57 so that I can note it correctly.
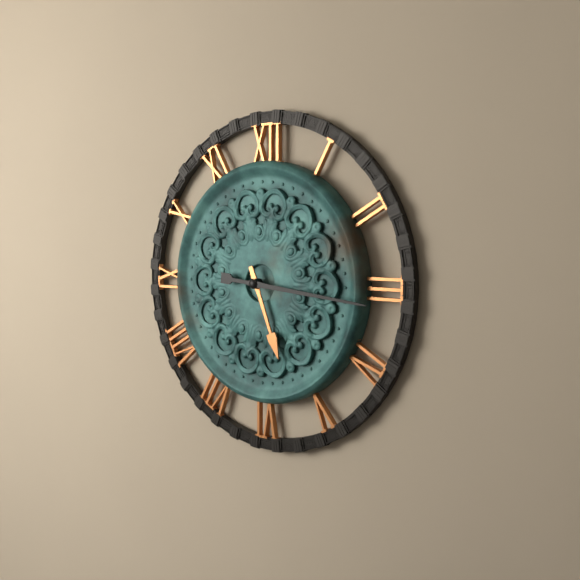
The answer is 5,16
